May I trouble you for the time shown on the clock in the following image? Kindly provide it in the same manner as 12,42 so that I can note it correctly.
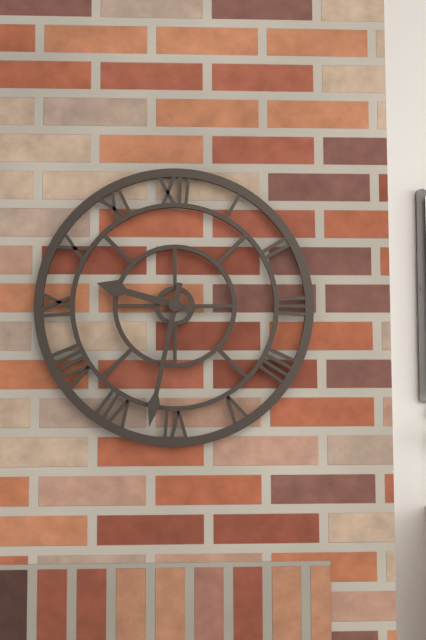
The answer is 9,32
